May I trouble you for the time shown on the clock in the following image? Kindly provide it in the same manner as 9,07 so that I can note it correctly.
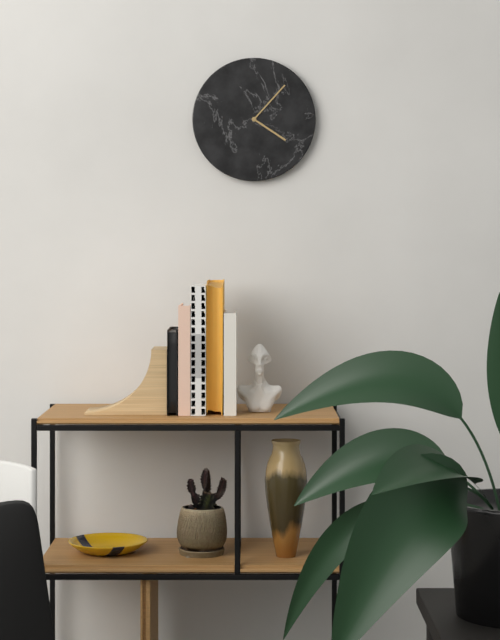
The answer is 4,07
